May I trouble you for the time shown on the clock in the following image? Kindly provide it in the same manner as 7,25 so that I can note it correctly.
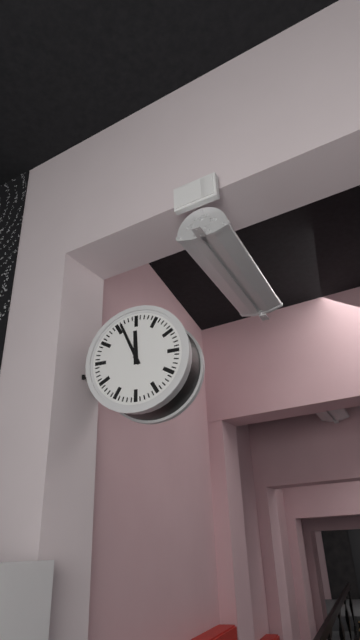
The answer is 11,56
